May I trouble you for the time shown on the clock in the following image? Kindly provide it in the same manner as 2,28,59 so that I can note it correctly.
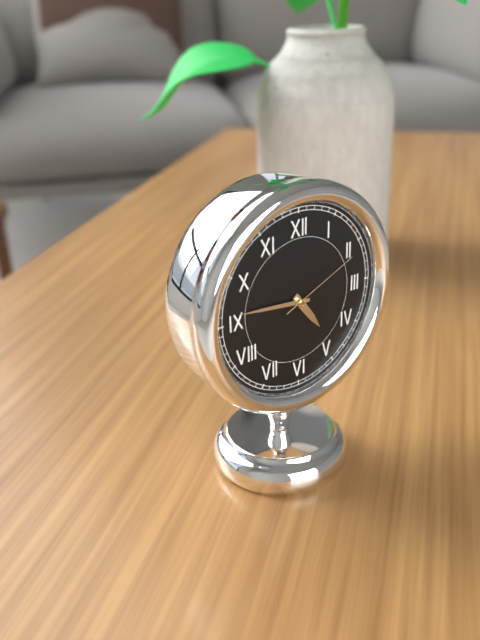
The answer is 4,46,11
